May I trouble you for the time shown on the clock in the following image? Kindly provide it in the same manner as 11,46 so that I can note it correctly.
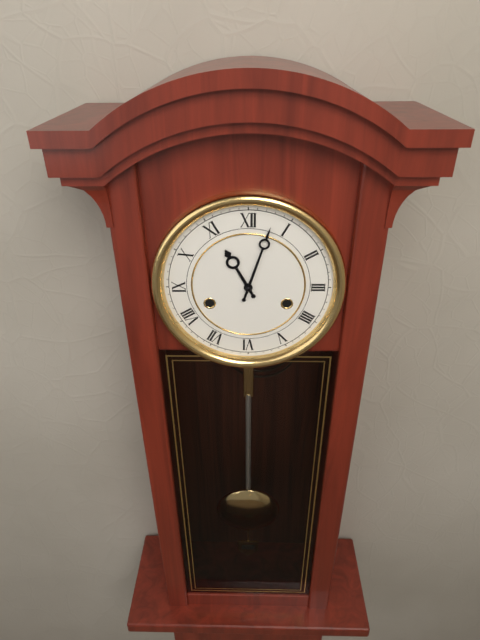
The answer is 11,03
